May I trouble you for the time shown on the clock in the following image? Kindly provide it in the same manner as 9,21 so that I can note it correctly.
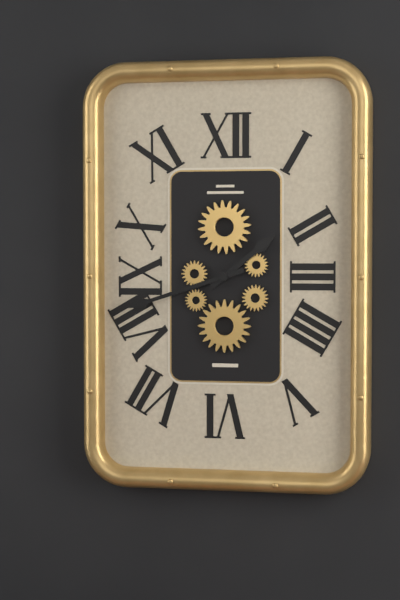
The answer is 1,42
